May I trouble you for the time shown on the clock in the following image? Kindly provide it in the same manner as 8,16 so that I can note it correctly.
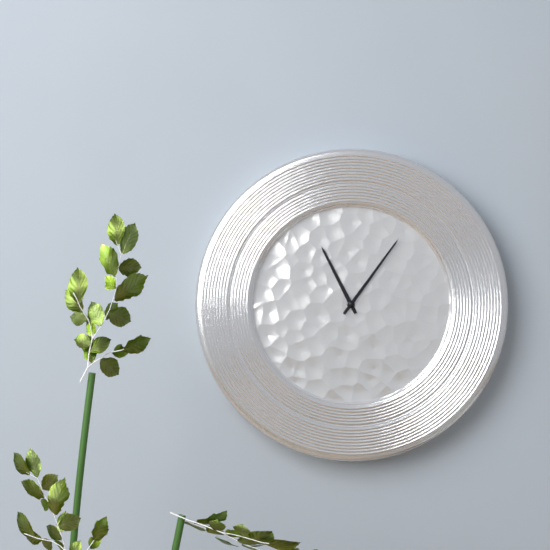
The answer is 11,06
